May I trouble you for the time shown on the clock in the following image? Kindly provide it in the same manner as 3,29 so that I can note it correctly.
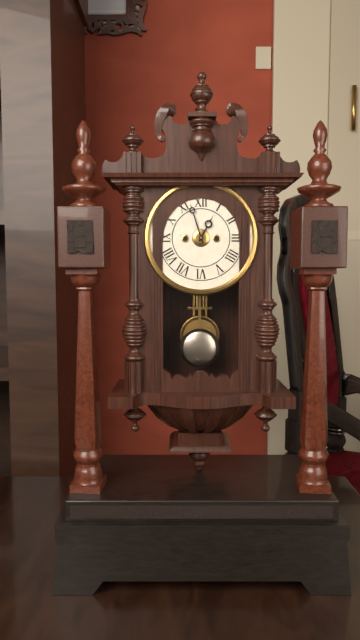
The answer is 12,57
